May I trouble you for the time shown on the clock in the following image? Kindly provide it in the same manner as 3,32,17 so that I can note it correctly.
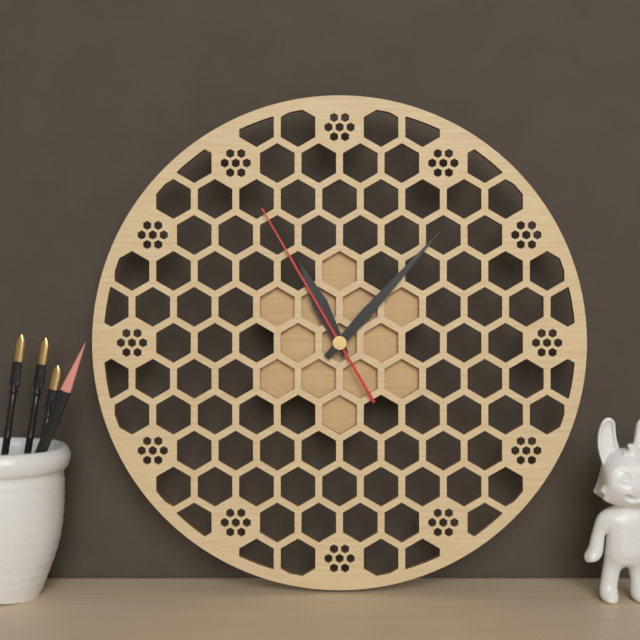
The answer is 11,07,55
